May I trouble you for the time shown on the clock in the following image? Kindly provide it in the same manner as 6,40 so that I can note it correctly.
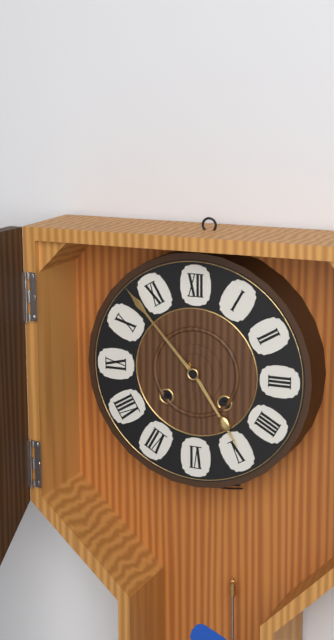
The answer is 4,53
